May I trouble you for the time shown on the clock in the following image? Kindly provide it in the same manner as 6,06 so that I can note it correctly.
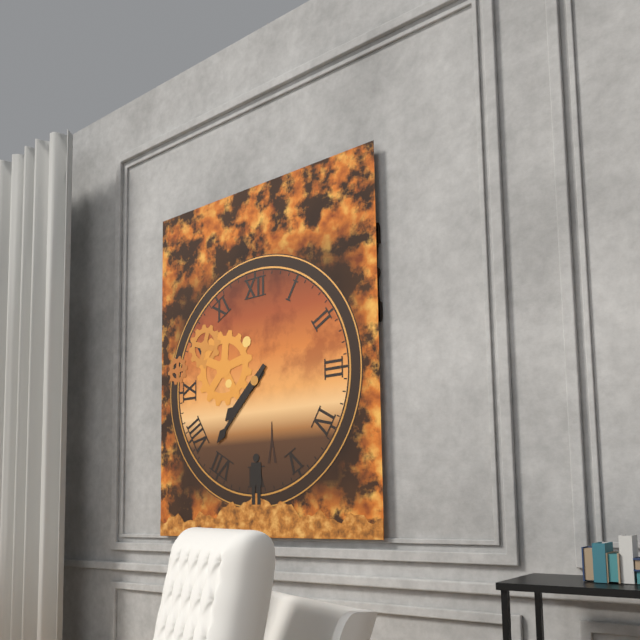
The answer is 7,37
